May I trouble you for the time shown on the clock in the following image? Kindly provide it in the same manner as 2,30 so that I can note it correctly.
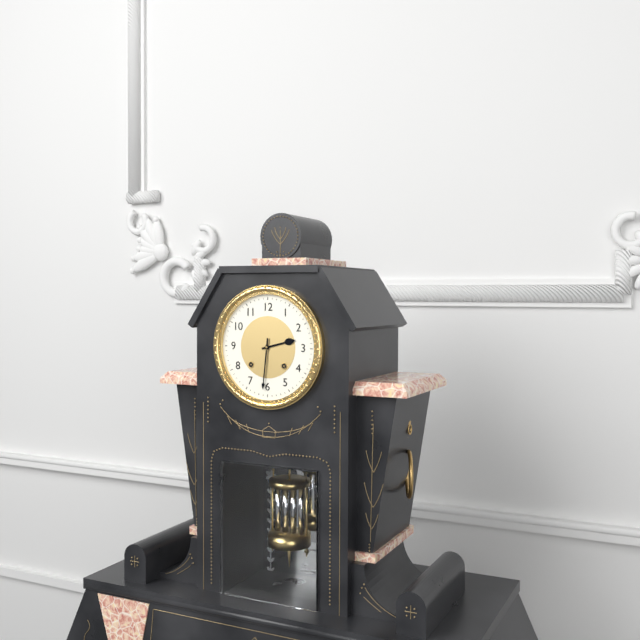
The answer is 2,31
